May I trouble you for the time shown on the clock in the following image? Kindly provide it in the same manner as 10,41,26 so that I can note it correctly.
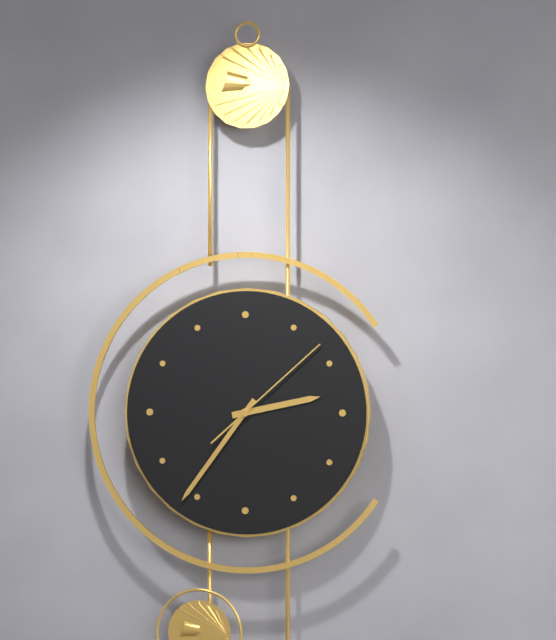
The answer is 2,36,08
